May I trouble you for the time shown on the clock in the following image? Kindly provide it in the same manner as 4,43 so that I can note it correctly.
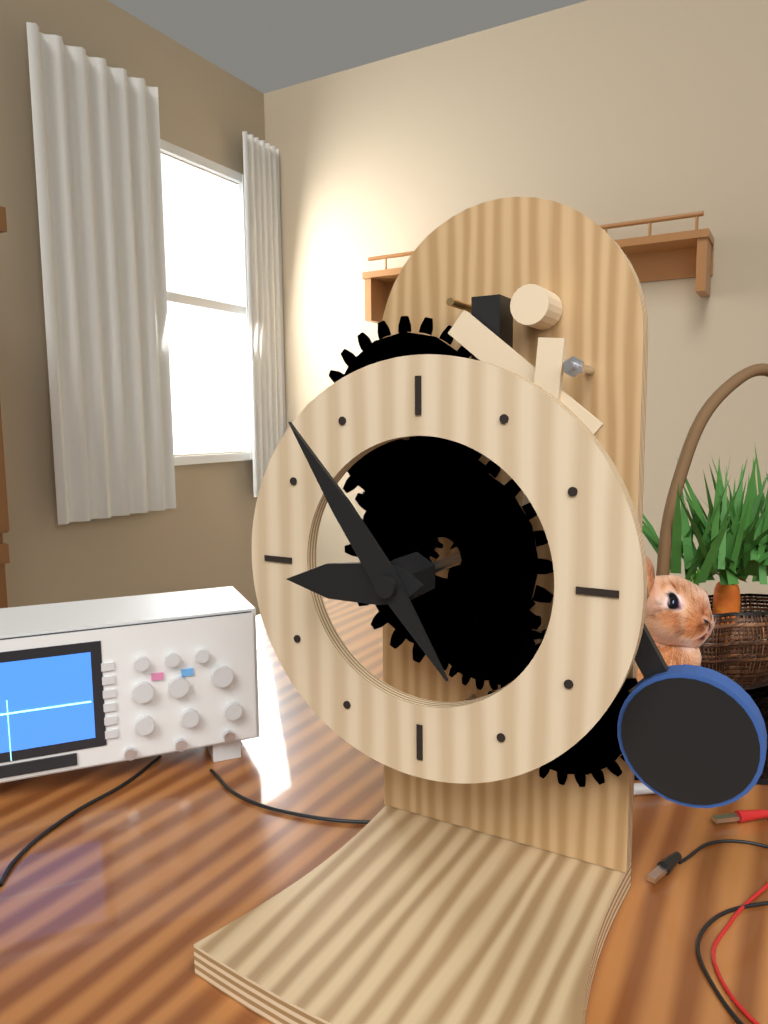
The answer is 8,54
